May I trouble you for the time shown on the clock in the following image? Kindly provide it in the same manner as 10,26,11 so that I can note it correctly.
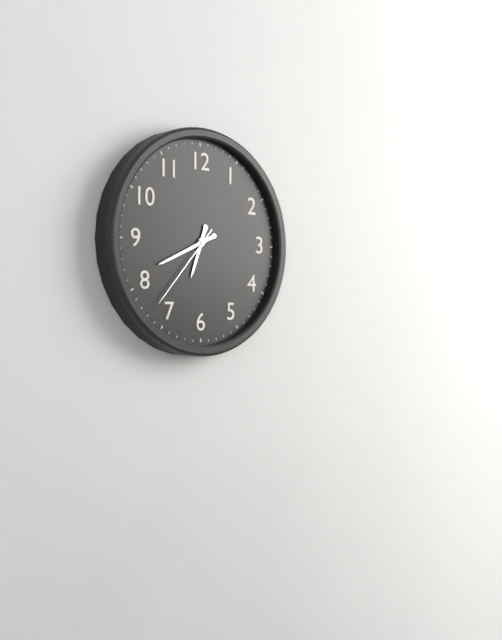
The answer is 6,41,37
